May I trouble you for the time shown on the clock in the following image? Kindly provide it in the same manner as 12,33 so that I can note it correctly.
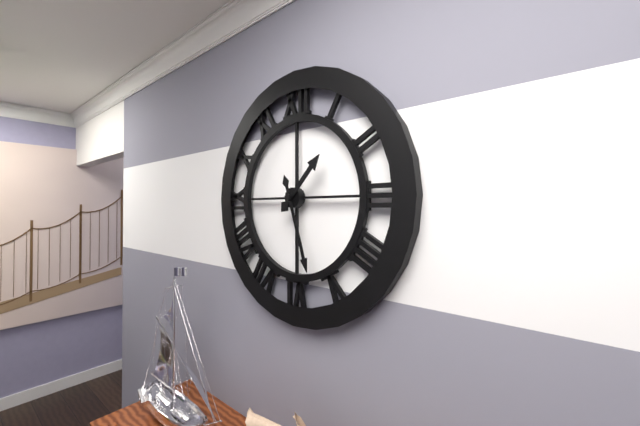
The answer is 1,27
